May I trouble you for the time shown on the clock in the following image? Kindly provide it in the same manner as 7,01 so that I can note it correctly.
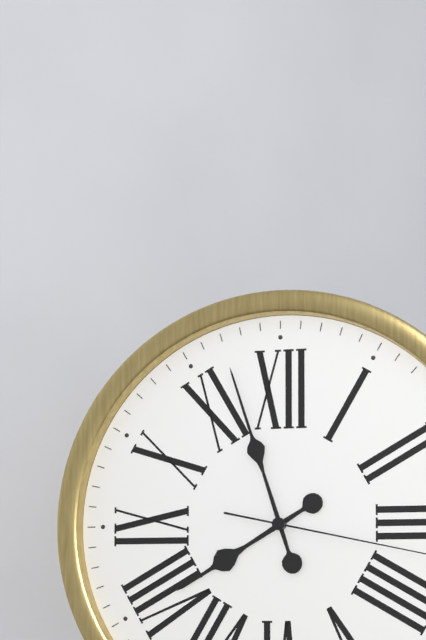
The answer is 7,57
